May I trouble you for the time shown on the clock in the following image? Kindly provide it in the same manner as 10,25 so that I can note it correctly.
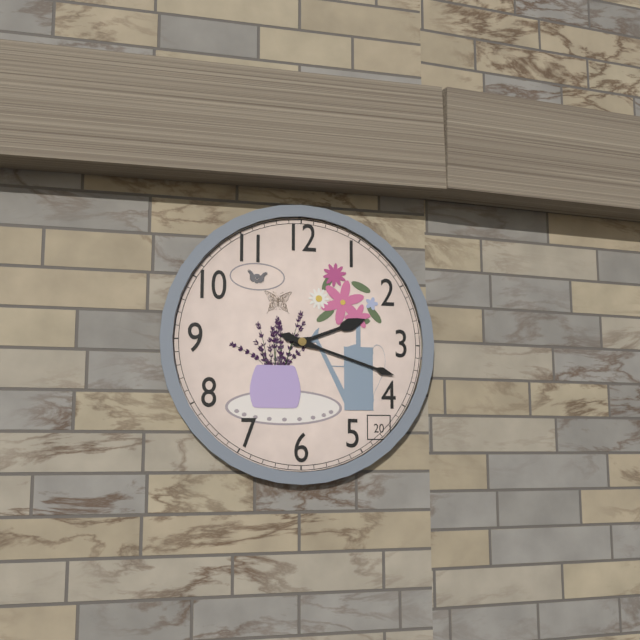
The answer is 2,18
